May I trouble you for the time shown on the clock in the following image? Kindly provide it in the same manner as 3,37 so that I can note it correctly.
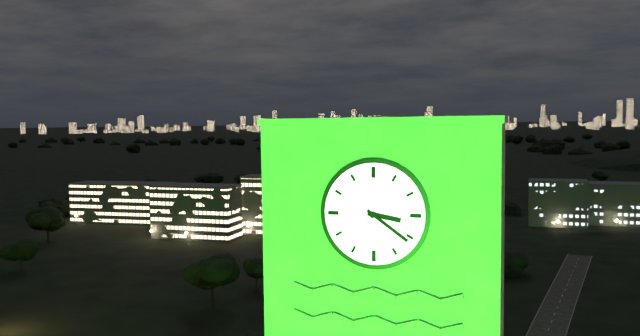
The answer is 3,21
